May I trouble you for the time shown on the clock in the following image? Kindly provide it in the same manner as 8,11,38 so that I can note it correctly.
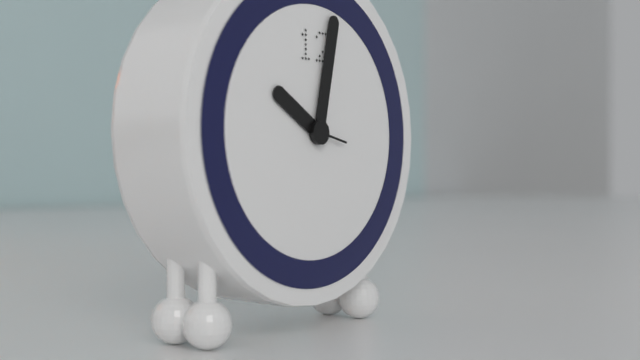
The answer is 10,02,17
